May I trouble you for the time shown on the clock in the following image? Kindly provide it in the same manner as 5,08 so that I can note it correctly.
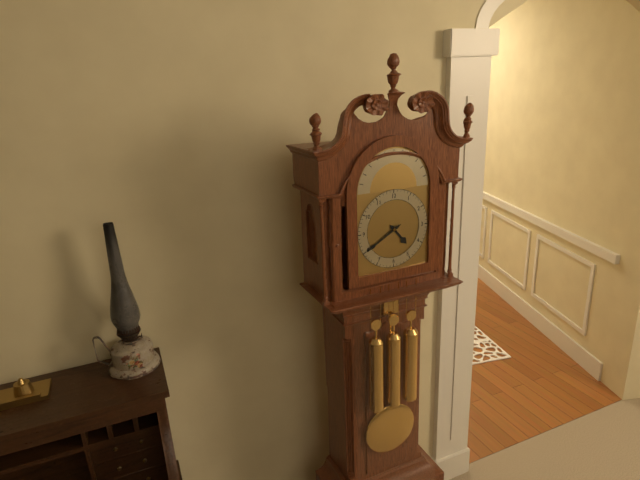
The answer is 4,40
